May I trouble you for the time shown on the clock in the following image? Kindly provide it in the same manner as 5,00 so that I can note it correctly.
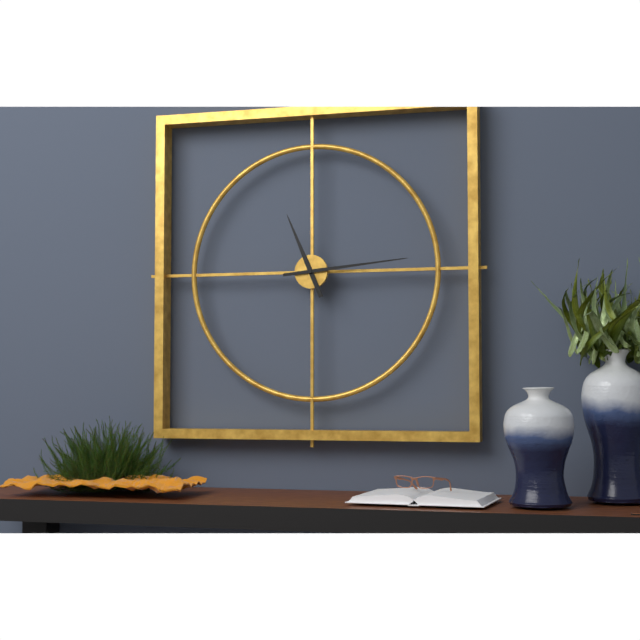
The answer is 11,14
